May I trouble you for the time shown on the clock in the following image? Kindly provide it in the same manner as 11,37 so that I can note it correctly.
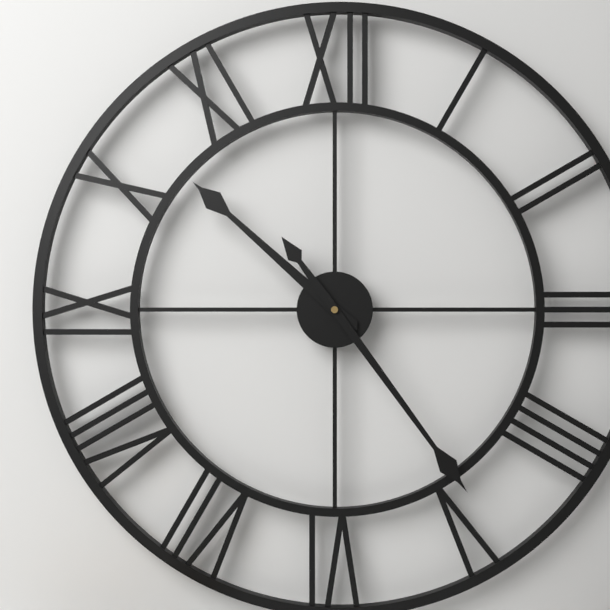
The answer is 10,24
